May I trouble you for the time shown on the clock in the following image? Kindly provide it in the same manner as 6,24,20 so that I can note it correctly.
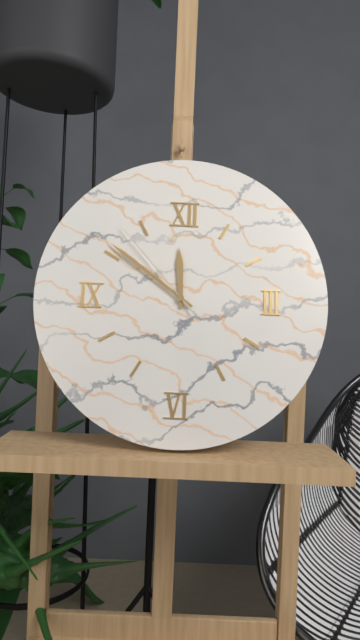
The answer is 11,51,53
